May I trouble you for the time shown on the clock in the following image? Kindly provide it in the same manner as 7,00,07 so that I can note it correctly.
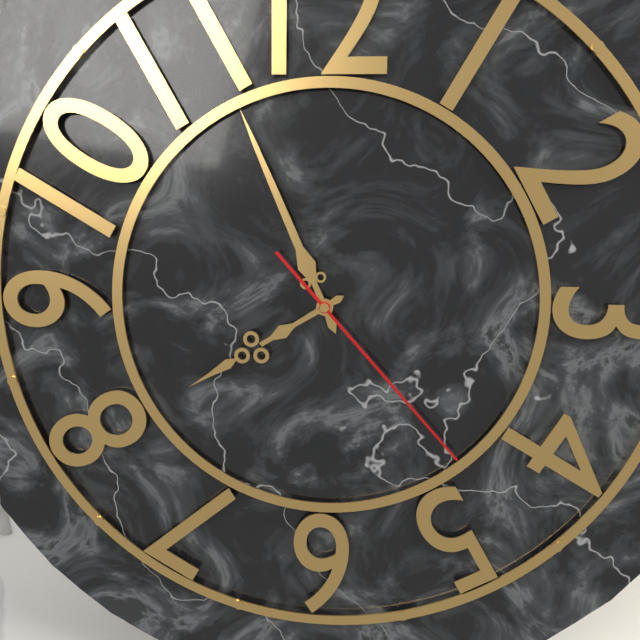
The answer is 7,56,23
